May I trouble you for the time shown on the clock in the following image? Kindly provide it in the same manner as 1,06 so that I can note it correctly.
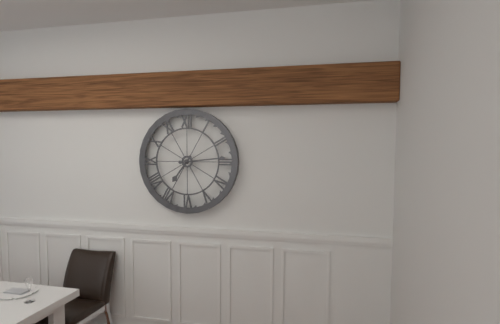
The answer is 7,14
